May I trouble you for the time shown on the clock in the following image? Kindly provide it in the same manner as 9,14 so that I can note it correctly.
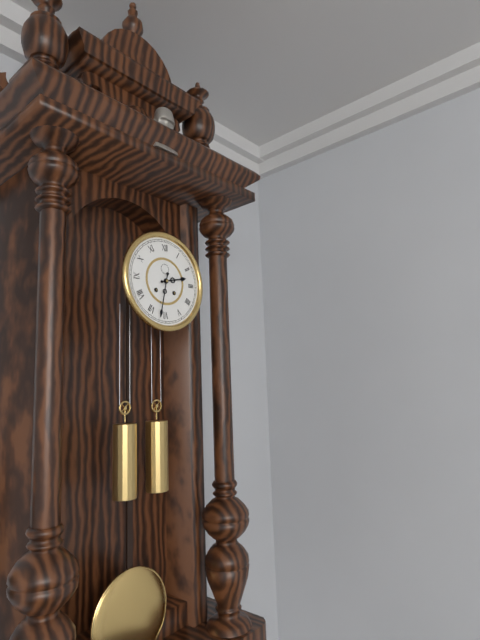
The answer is 2,32
